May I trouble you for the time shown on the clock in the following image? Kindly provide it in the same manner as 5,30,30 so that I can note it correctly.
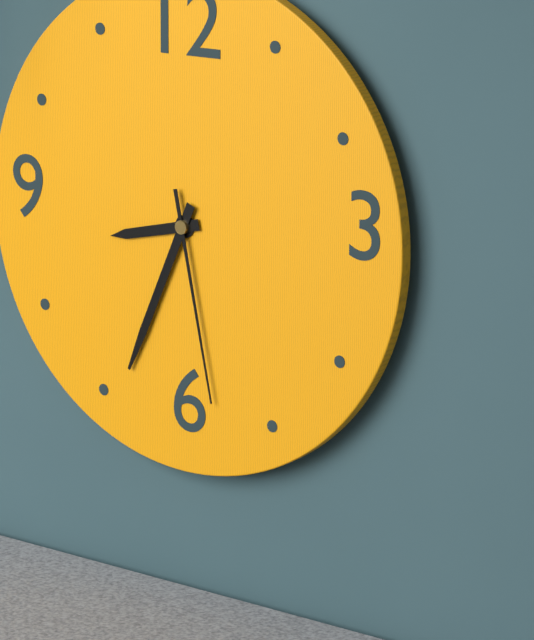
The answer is 8,34,28
